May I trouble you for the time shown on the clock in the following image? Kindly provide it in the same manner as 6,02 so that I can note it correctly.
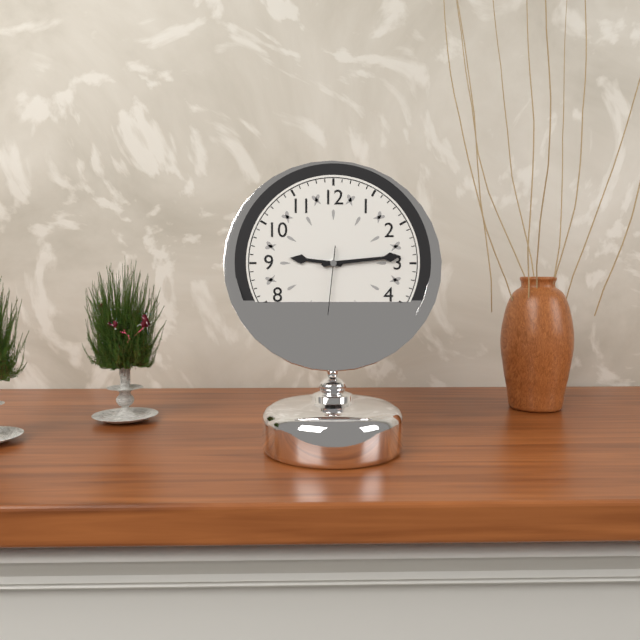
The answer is 9,14
